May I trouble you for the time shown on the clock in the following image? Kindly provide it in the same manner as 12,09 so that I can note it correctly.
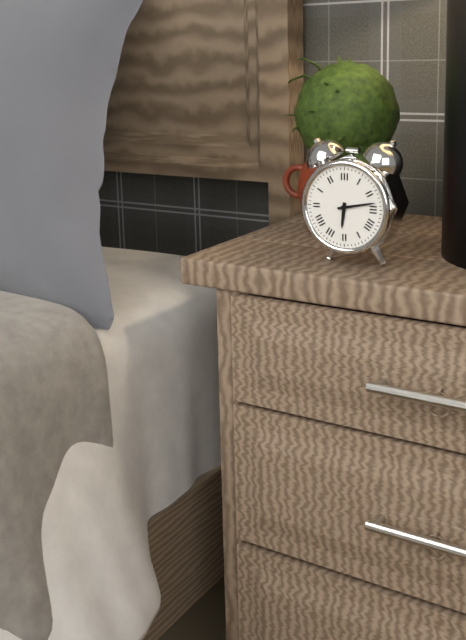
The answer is 6,13
